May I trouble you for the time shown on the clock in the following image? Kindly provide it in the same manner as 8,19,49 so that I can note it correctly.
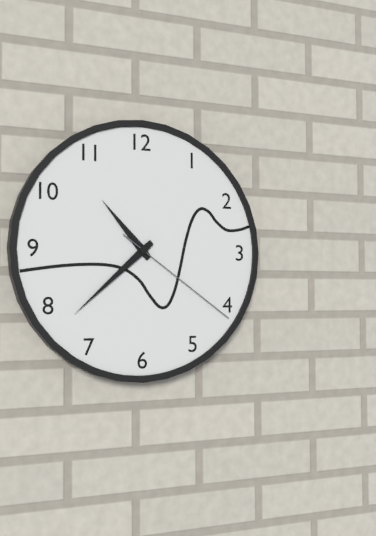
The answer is 10,38,21
